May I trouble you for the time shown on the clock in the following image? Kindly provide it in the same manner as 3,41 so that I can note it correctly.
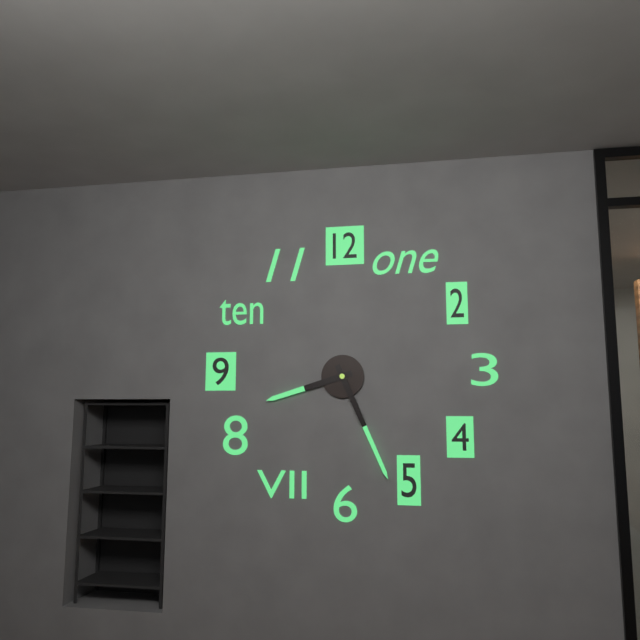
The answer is 8,26
